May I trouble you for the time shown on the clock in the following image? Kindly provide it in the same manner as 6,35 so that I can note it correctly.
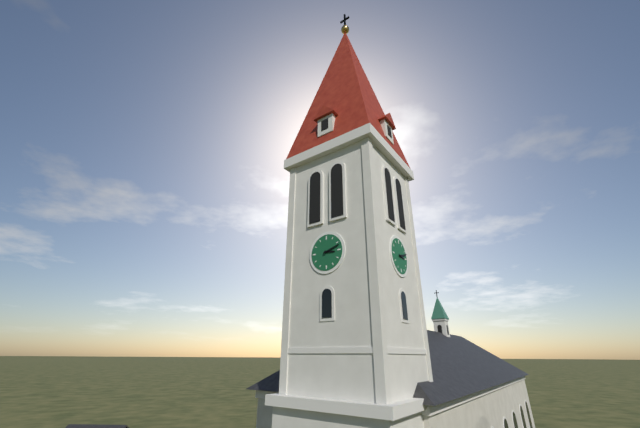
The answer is 3,12
